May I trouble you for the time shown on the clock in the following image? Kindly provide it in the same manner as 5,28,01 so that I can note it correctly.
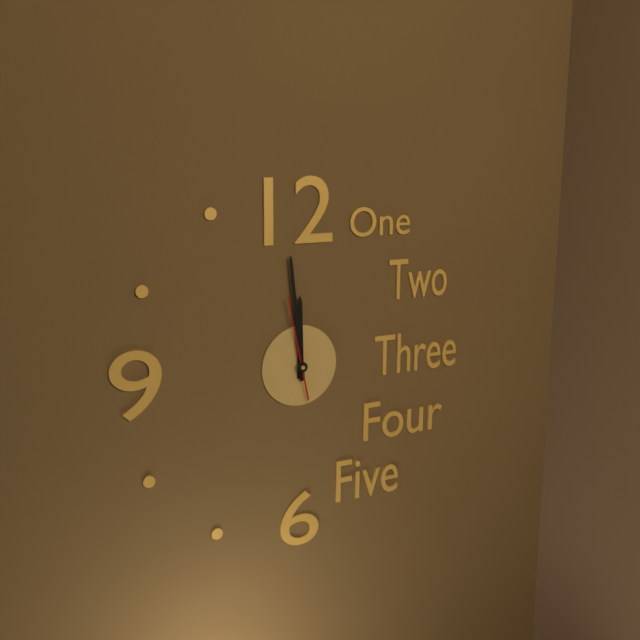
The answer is 11,59,58
